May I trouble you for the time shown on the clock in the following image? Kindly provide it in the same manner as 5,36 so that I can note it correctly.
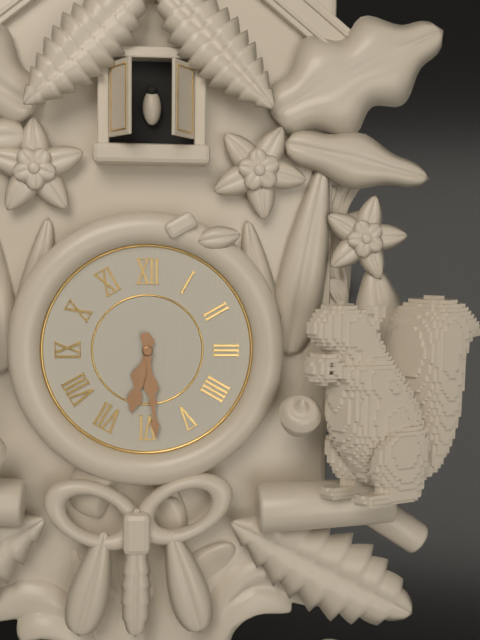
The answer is 6,29
